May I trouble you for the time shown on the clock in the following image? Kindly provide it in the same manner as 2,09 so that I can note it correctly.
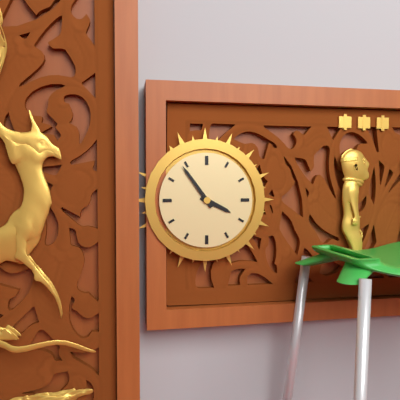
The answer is 3,54
